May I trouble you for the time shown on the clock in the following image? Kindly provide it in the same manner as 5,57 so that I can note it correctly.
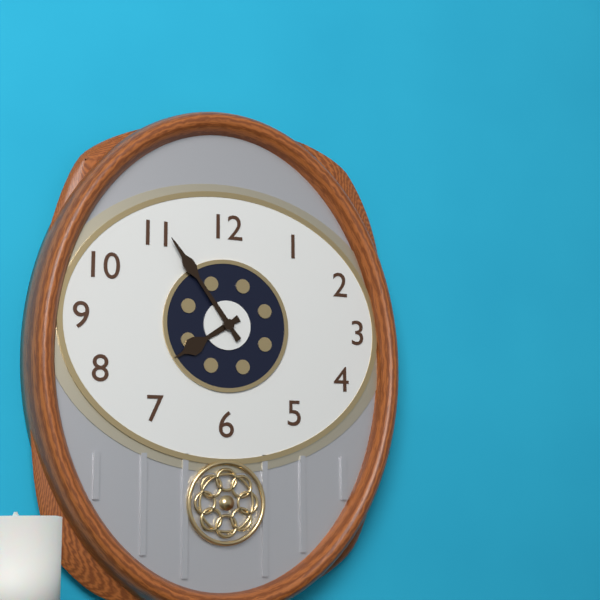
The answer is 7,54
